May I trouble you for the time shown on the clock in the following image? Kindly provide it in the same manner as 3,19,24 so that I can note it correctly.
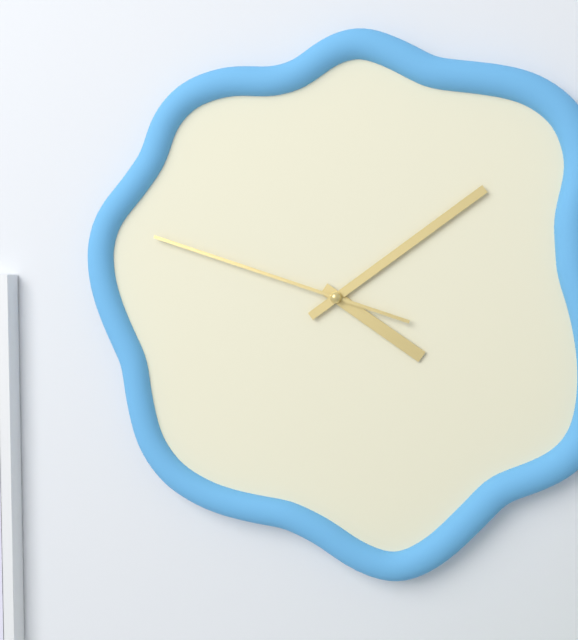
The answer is 4,09,48
